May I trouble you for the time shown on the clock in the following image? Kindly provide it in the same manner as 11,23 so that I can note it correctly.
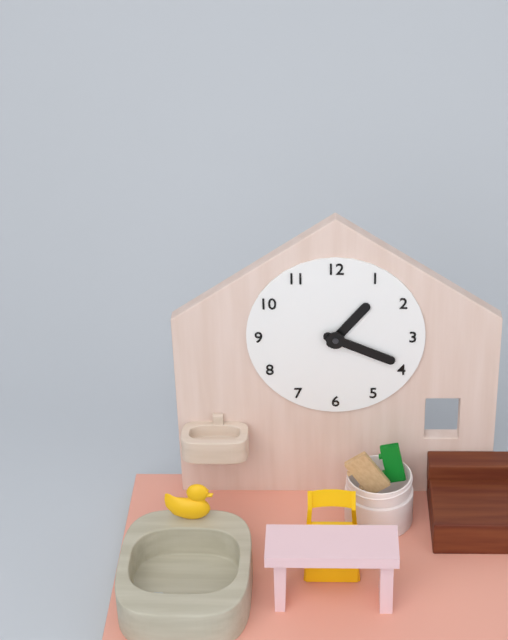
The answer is 1,19
